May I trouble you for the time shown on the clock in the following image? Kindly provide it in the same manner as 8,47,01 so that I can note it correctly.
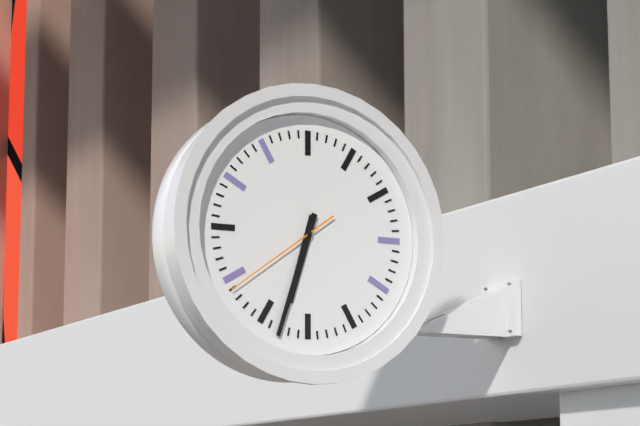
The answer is 6,33,39
